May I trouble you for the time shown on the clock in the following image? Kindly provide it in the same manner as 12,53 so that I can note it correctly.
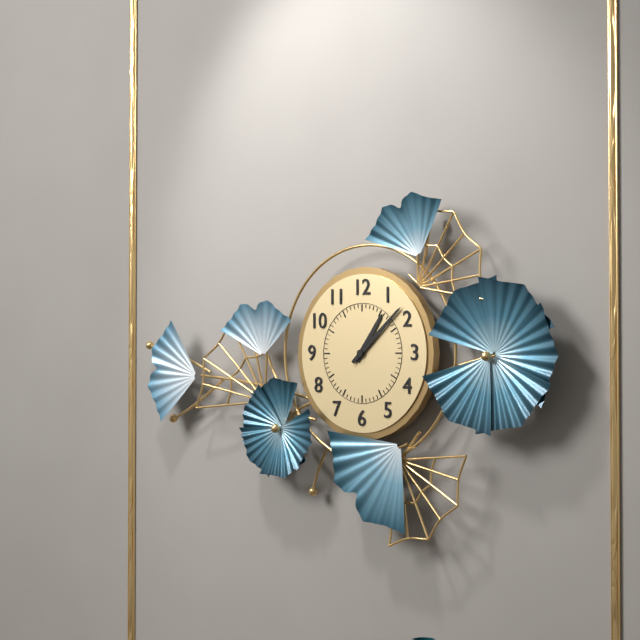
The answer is 1,08
